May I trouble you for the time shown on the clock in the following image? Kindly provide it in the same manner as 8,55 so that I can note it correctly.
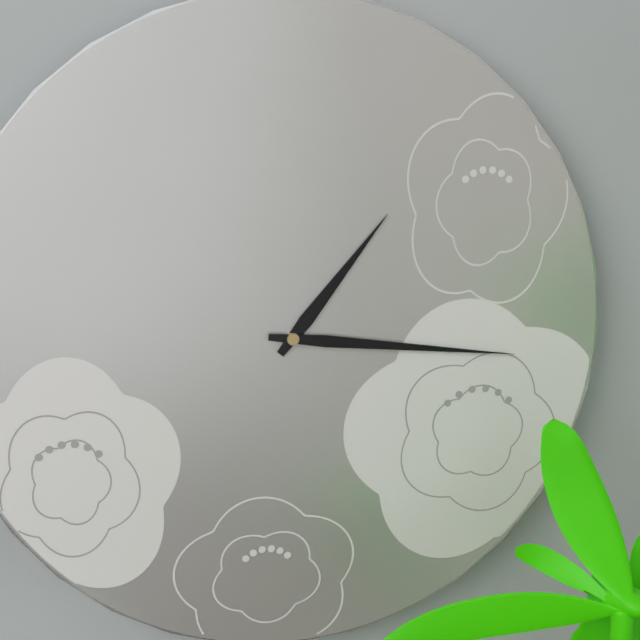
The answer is 1,16
